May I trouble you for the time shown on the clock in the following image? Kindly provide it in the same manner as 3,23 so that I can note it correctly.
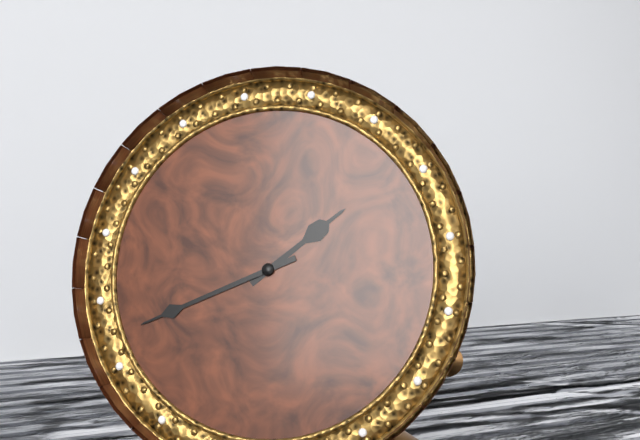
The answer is 1,41
